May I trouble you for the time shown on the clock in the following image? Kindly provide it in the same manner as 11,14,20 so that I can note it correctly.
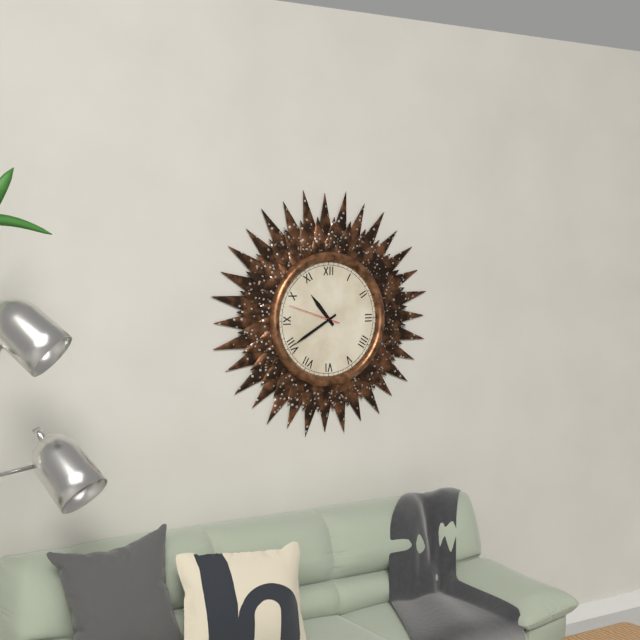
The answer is 10,40,48
